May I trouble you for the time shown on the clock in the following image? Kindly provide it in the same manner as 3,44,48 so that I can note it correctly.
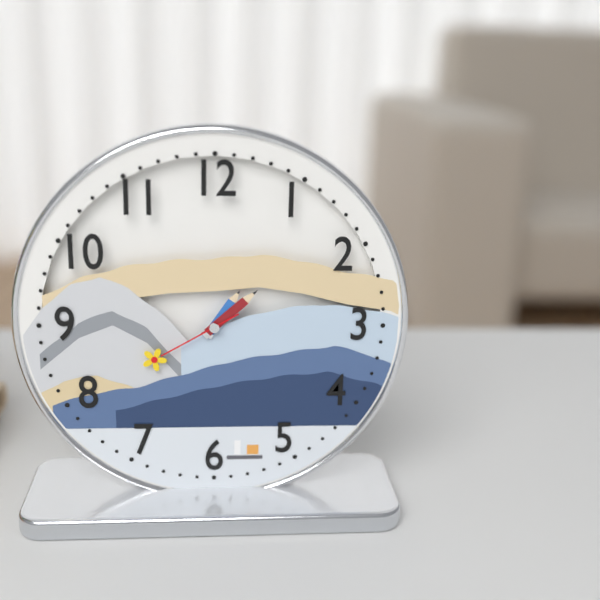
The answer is 1,08,40
